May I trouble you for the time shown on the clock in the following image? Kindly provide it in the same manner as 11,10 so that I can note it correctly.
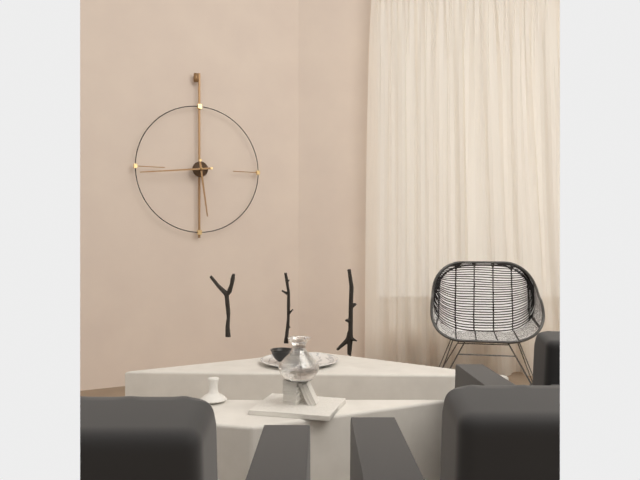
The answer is 5,44
